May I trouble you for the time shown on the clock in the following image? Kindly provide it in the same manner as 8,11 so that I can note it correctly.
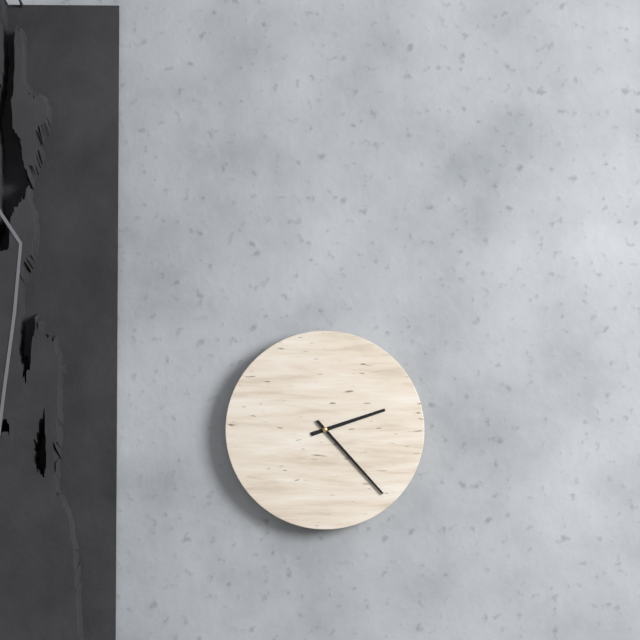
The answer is 2,23
